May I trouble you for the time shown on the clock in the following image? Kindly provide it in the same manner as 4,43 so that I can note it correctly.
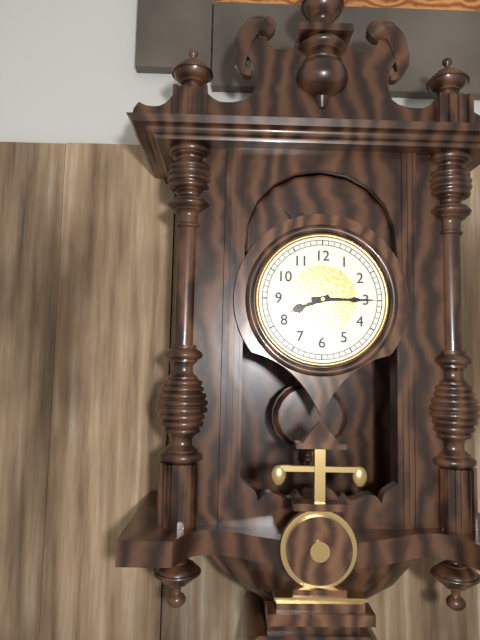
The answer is 8,15
